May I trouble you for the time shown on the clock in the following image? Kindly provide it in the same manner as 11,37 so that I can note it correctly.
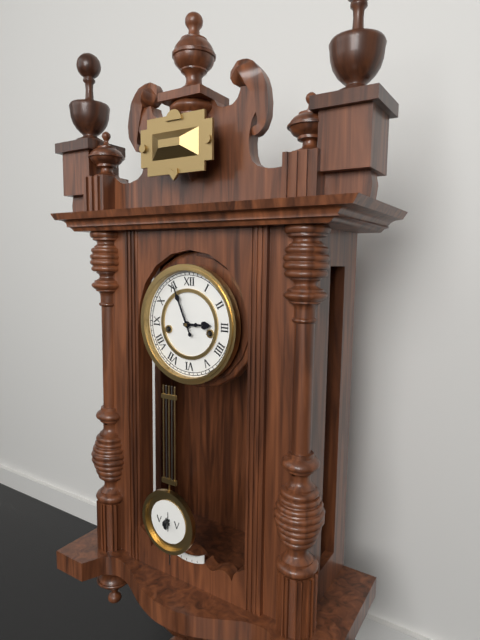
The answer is 2,56
